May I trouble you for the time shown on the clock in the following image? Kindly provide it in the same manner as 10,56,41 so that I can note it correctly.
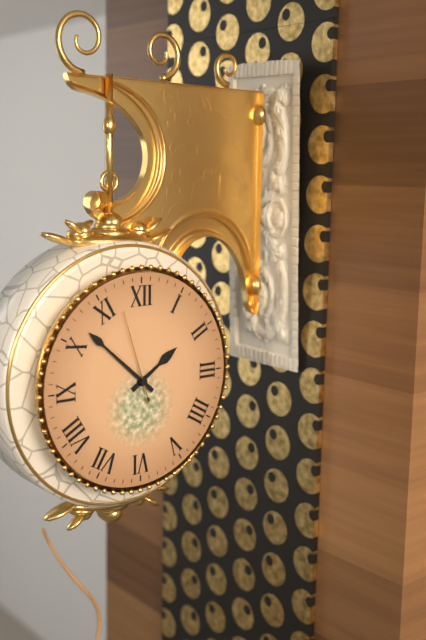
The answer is 1,52,57
